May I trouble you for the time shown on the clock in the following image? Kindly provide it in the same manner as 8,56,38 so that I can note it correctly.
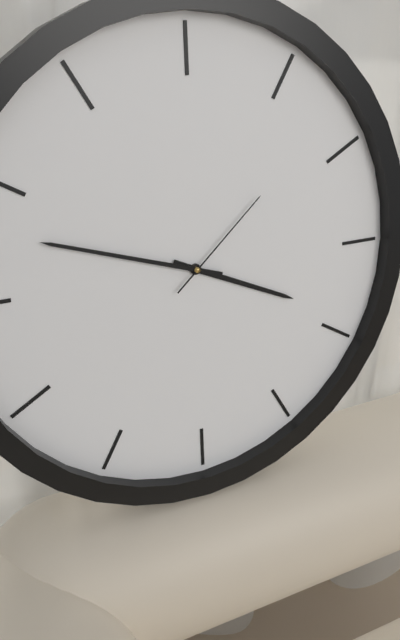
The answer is 3,48,08
